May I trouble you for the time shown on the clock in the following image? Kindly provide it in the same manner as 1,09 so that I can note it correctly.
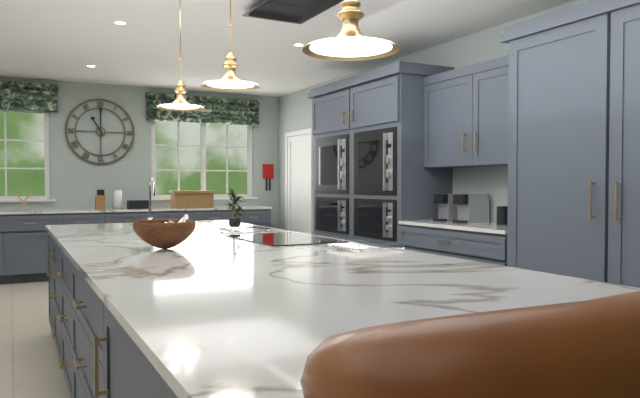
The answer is 11,00
